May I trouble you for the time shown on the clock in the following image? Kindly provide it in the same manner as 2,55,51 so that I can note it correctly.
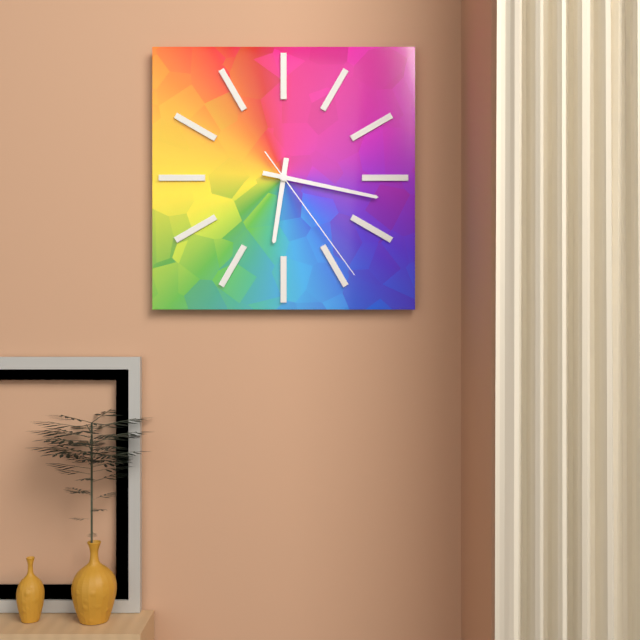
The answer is 6,17,24
